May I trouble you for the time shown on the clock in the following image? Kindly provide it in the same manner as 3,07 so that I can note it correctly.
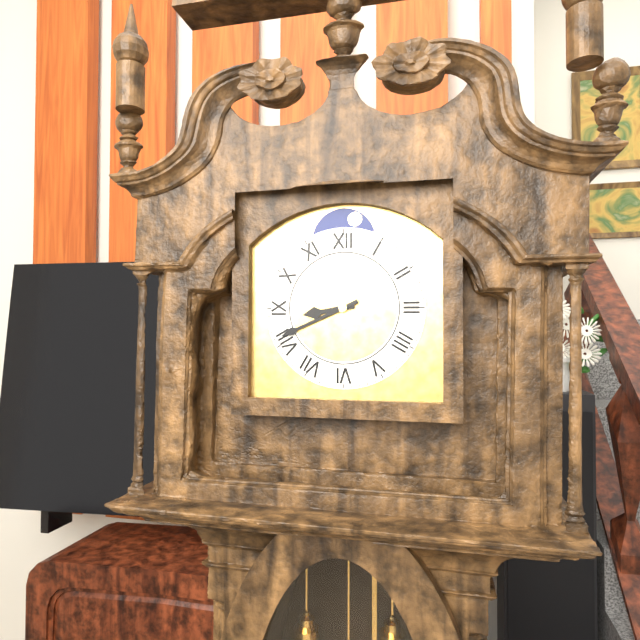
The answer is 8,41
